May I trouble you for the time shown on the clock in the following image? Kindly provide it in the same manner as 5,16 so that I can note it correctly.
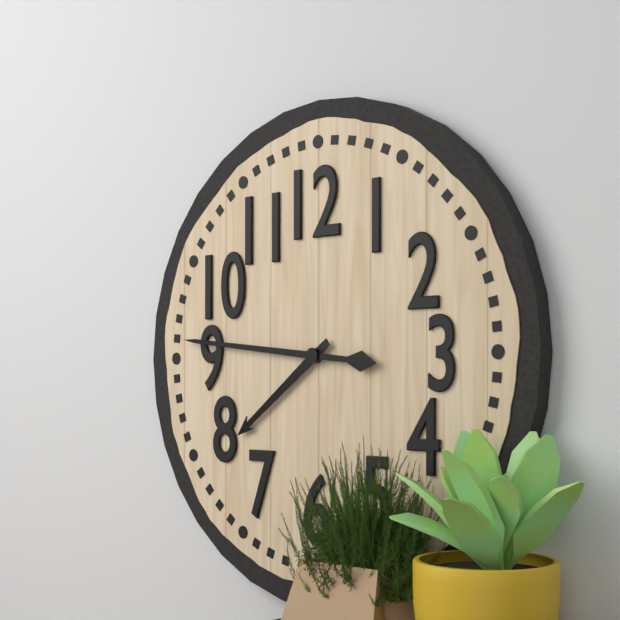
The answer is 7,46
